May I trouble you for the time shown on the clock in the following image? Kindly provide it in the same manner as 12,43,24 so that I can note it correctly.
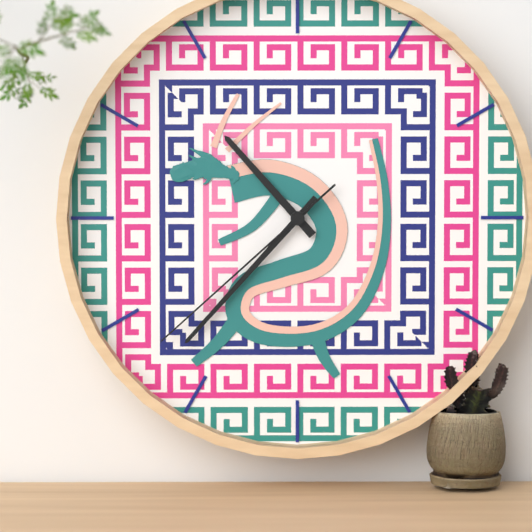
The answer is 10,37,38
